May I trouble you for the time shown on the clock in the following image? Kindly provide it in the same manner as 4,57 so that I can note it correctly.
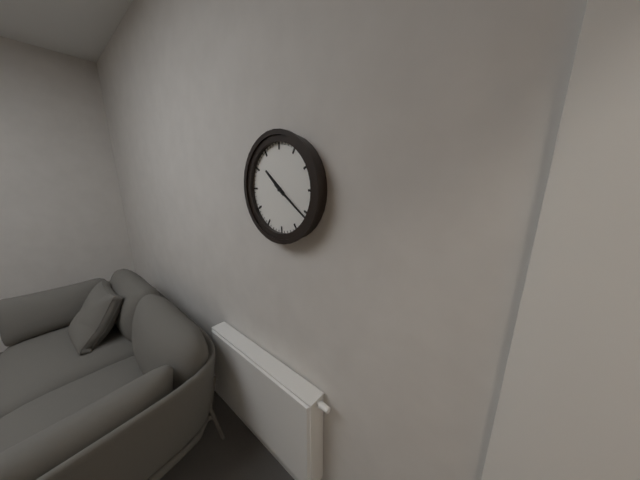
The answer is 10,21
